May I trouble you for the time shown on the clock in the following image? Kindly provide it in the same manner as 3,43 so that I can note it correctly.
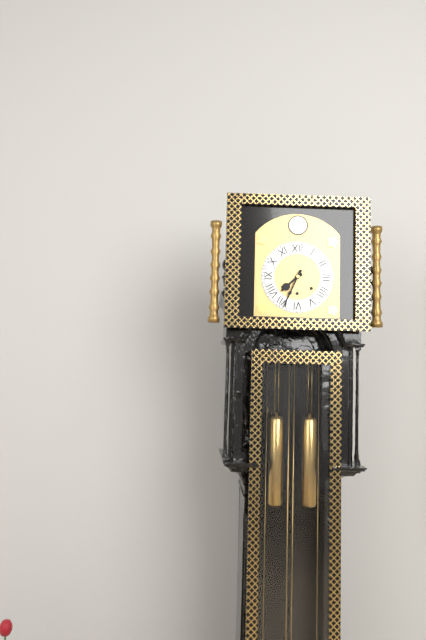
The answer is 7,34
